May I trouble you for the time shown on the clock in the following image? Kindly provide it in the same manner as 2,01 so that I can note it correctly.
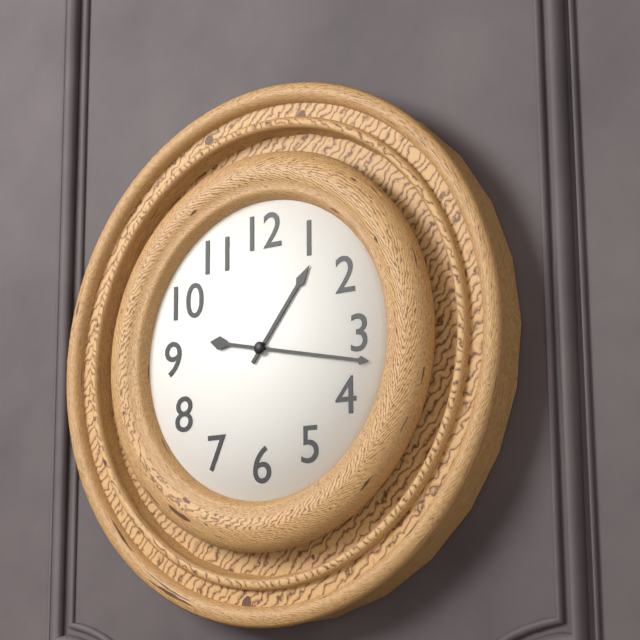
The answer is 1,17
